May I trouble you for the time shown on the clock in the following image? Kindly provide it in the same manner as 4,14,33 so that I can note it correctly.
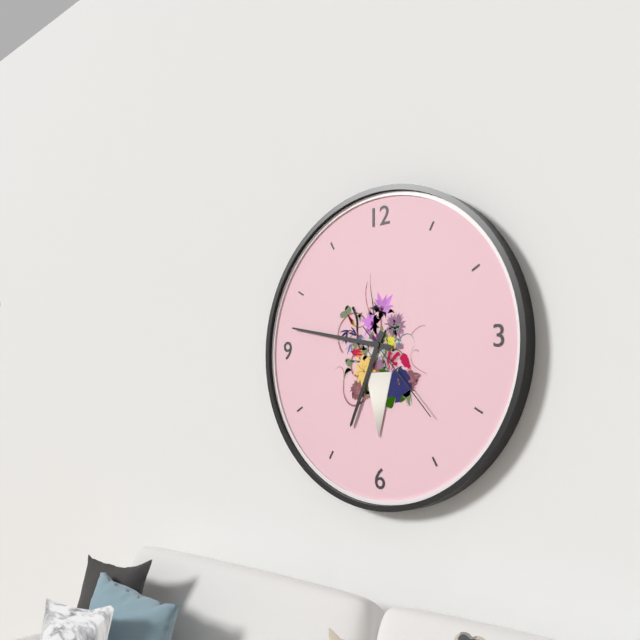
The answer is 6,47,23
